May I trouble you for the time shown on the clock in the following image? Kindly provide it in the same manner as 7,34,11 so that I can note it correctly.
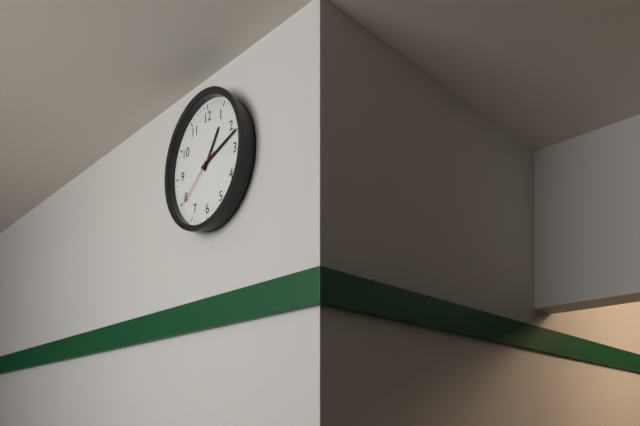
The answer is 1,12,39
